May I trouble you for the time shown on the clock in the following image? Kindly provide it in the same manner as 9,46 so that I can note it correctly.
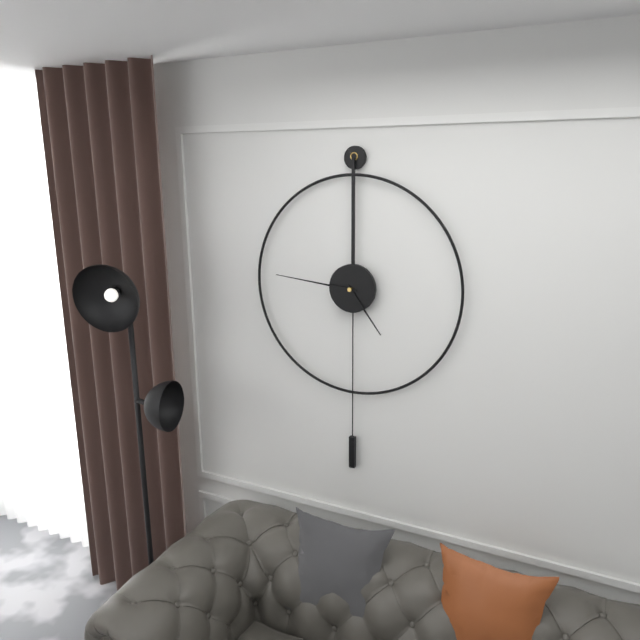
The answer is 4,46
